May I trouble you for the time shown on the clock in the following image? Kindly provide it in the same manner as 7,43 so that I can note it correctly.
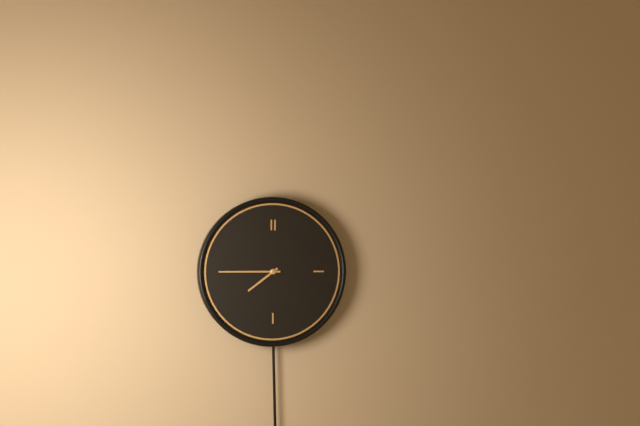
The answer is 7,45
